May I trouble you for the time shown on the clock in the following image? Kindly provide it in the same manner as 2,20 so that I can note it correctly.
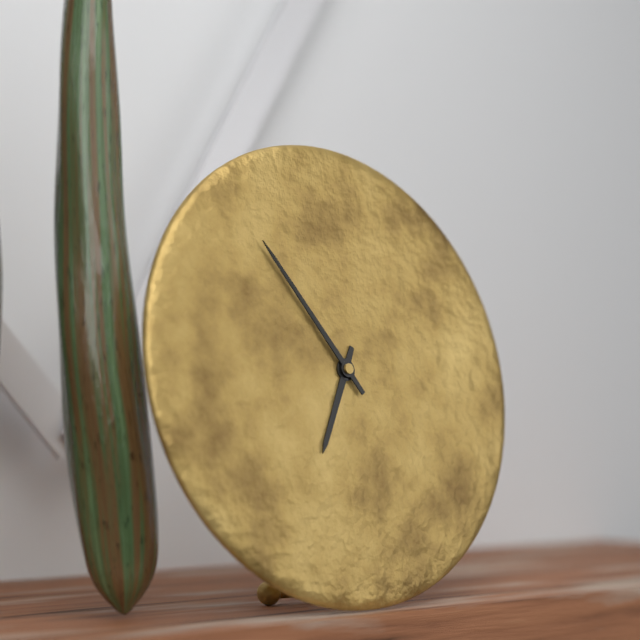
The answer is 6,54
